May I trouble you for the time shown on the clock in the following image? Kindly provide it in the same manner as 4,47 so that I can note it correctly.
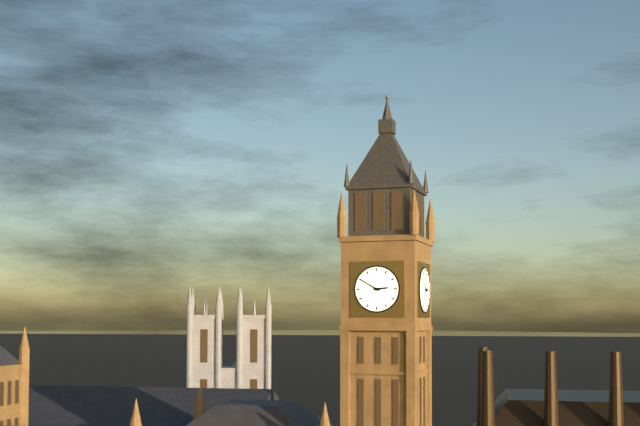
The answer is 2,50
